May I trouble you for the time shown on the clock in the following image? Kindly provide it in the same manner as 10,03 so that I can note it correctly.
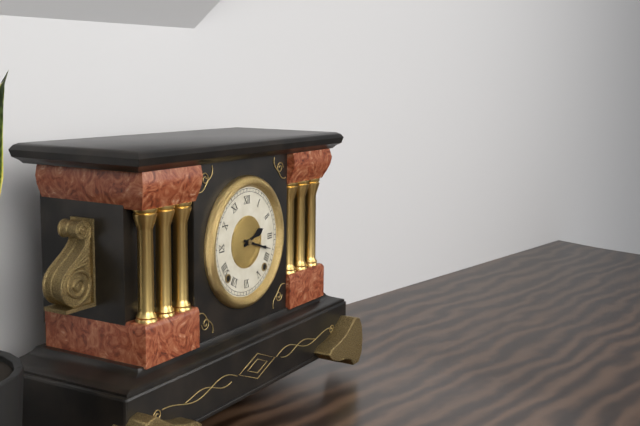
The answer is 2,18
